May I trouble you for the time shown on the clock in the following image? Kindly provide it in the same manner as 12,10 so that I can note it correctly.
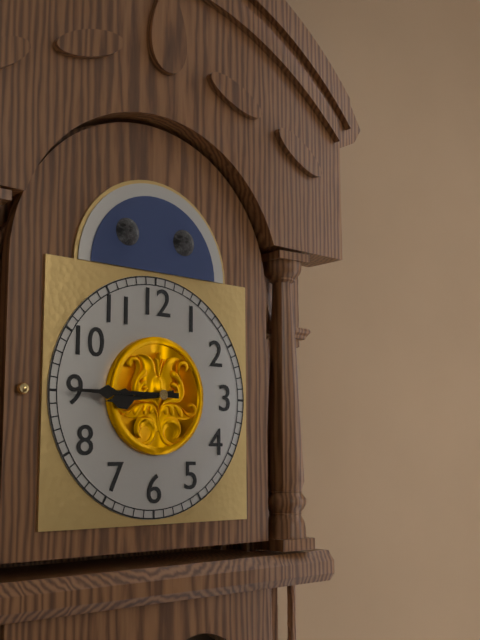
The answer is 8,45
